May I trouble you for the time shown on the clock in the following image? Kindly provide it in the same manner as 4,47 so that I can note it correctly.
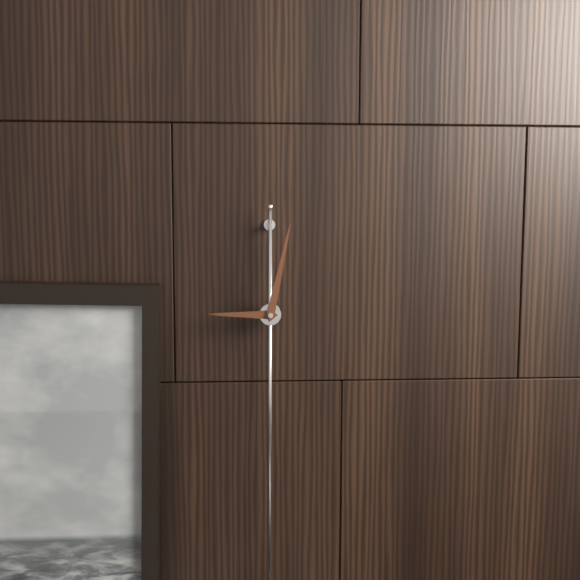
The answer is 9,02
